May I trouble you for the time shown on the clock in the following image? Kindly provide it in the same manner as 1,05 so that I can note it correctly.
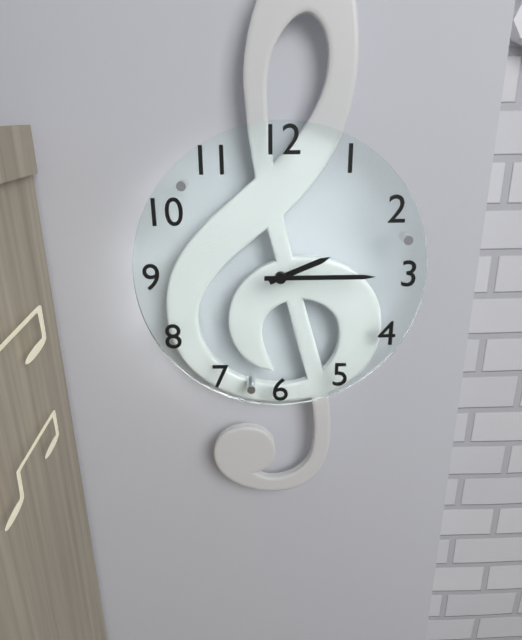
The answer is 2,15
